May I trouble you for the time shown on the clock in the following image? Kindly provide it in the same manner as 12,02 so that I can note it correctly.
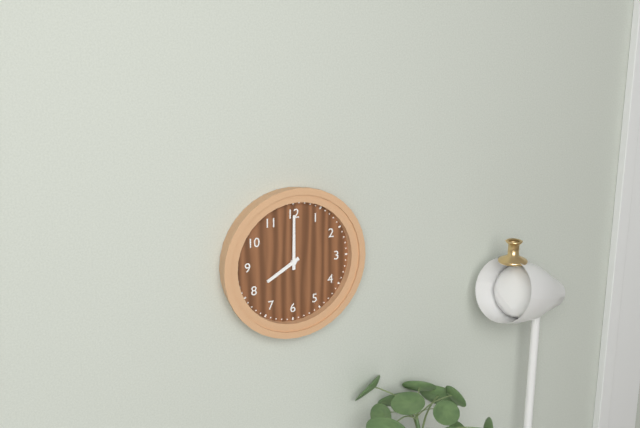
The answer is 8,00
